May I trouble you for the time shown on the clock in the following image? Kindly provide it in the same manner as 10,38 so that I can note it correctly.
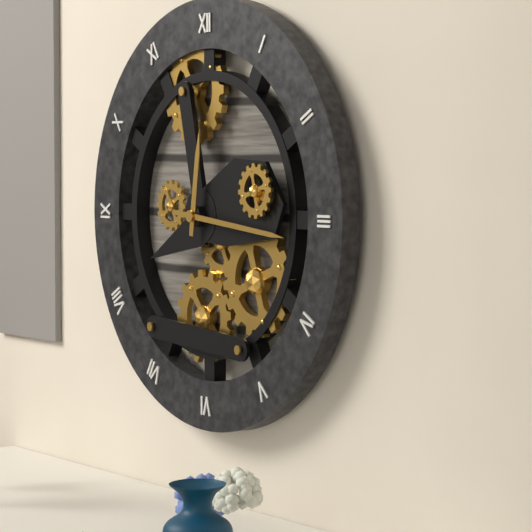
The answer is 12,16
